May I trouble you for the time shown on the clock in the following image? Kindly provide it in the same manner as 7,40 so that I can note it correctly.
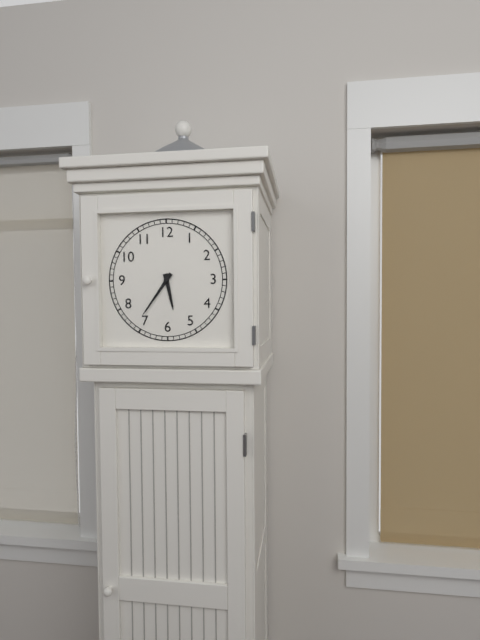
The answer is 5,36
